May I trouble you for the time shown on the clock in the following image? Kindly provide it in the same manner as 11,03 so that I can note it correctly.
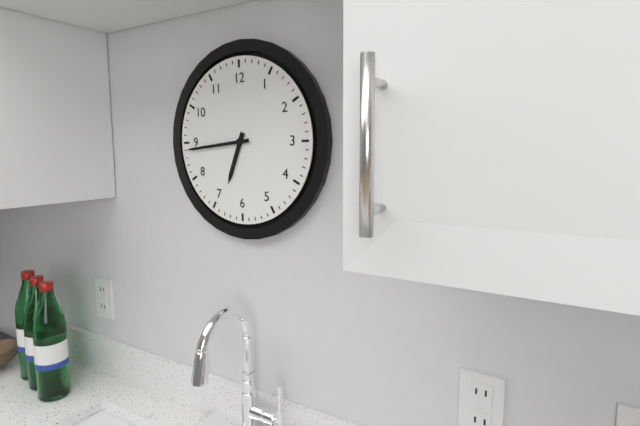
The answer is 6,44
